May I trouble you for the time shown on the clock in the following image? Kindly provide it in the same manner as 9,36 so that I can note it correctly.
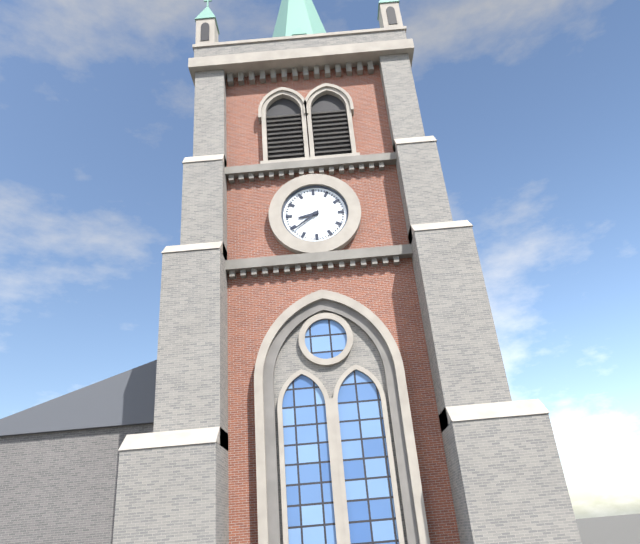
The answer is 8,39
